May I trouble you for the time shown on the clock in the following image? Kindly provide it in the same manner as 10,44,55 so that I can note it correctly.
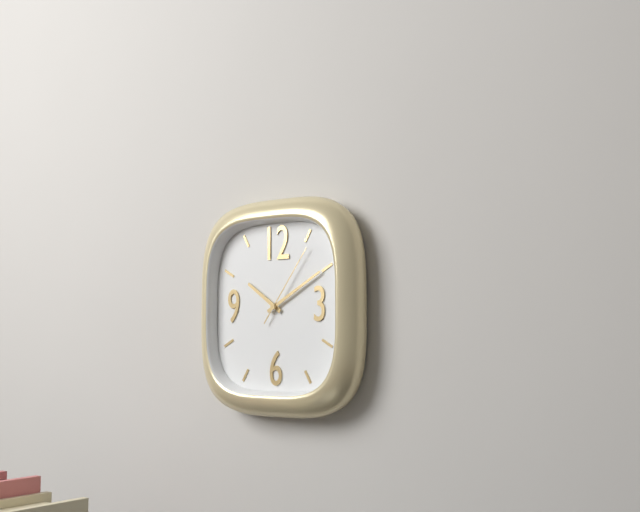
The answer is 10,10,06
